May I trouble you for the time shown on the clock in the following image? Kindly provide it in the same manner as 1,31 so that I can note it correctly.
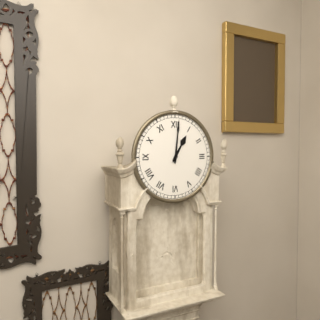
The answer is 1,01
